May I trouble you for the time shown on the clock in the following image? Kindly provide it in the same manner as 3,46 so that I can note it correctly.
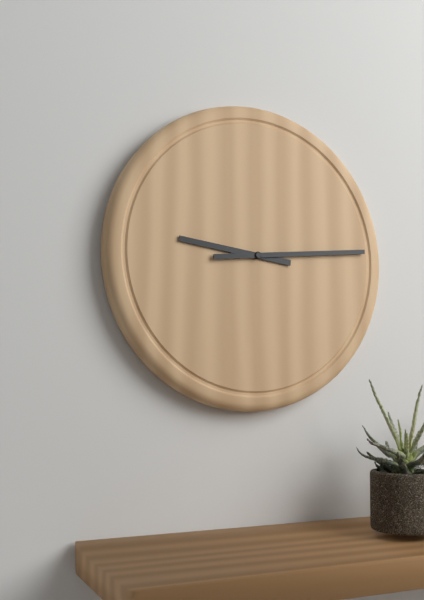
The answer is 9,14
